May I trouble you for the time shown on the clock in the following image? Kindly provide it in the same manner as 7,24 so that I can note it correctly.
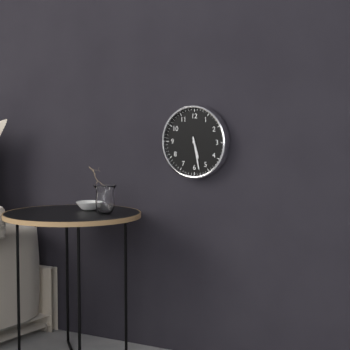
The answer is 5,28
